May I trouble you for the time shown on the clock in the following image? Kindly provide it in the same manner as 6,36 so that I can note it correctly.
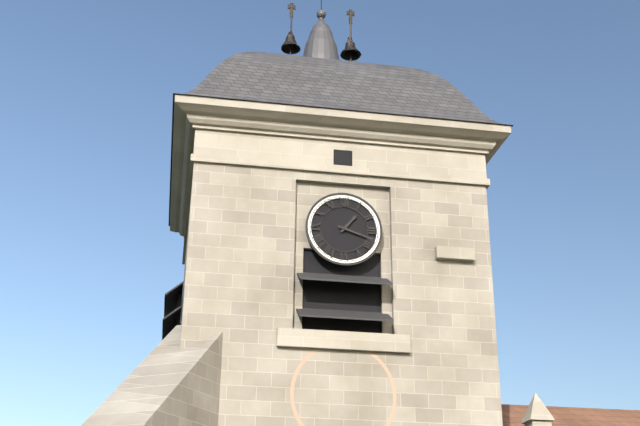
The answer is 1,18
